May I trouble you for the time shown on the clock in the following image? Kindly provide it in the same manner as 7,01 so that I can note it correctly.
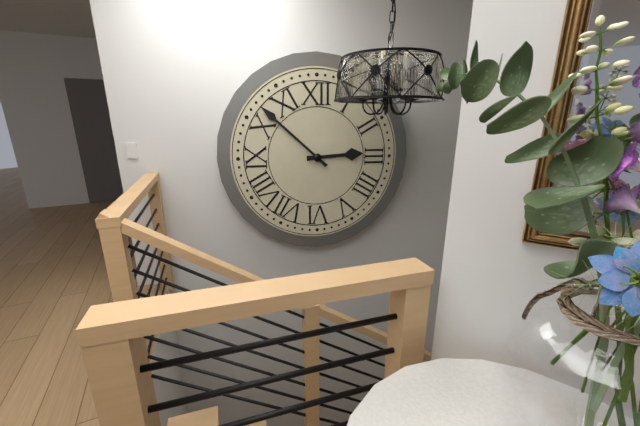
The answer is 2,52
